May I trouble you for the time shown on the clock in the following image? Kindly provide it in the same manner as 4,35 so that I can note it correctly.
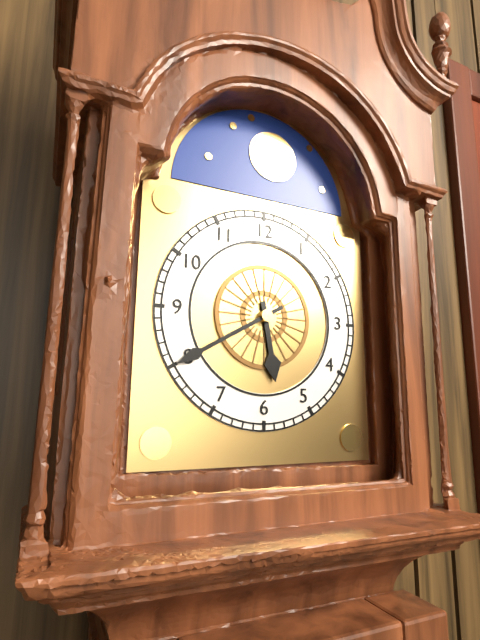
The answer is 5,40
